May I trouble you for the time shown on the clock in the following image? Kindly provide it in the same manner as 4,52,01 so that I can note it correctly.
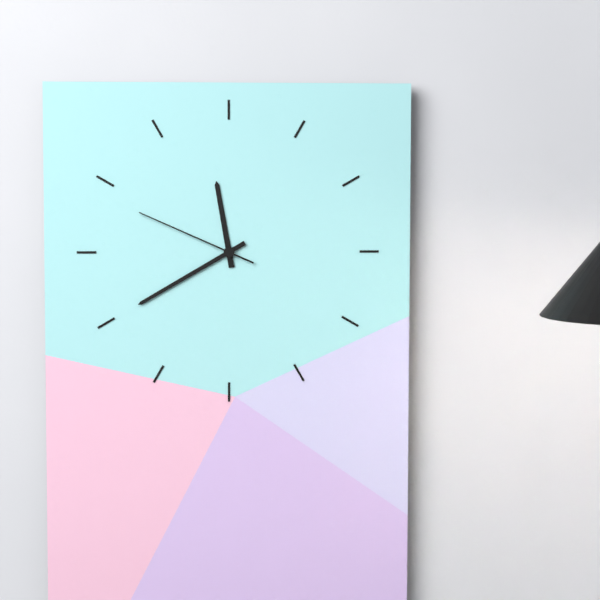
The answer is 11,40,49
